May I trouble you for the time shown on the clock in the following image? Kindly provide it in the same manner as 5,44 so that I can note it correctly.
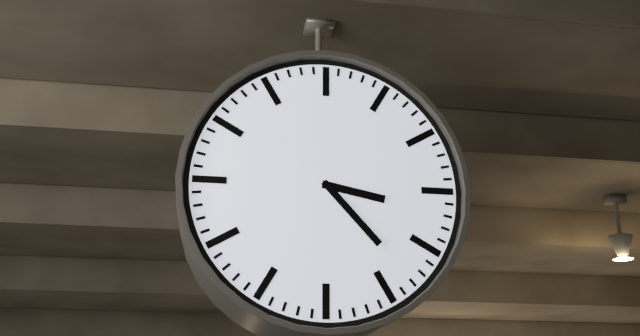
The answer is 3,23
